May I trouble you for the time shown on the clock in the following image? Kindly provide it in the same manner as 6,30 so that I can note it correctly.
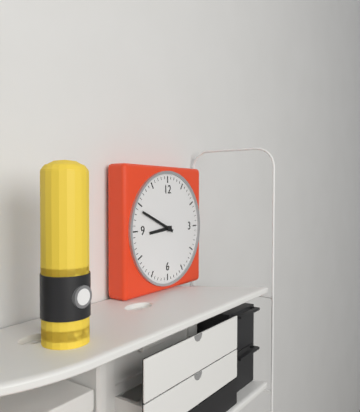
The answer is 8,49
